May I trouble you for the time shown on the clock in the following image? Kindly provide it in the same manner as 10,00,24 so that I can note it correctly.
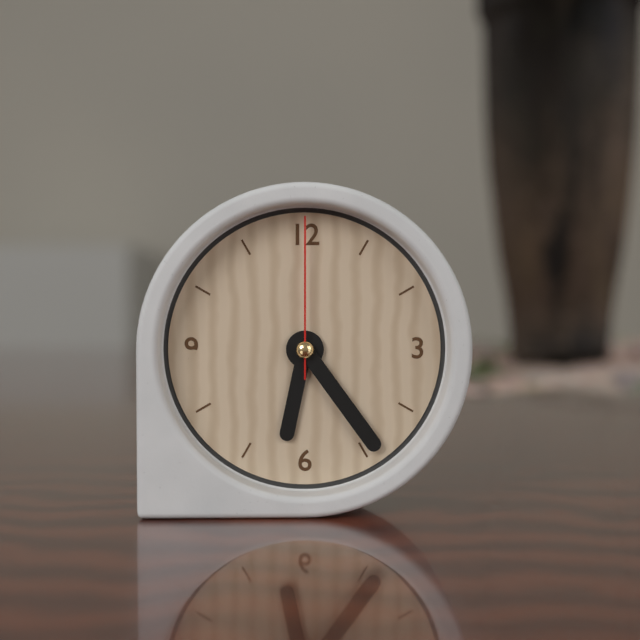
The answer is 6,24,00
